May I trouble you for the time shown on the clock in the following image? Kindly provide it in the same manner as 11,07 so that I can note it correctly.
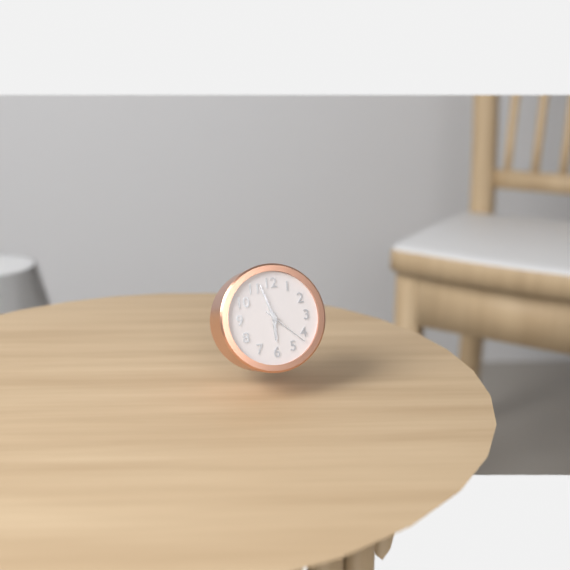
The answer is 5,57
